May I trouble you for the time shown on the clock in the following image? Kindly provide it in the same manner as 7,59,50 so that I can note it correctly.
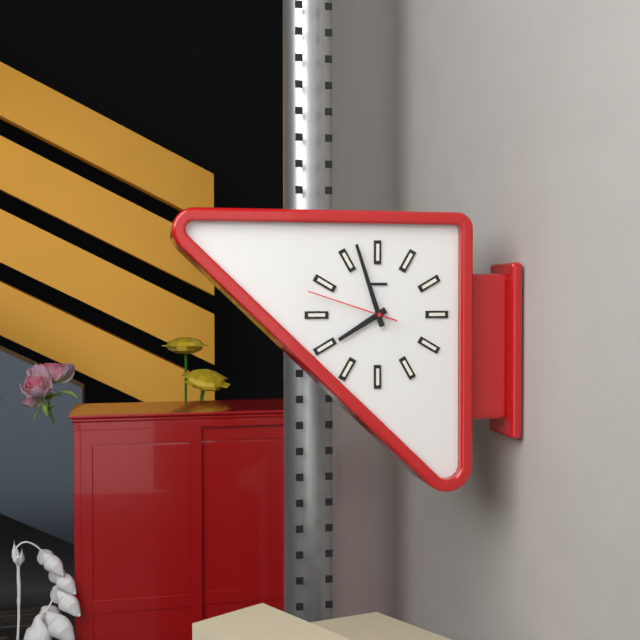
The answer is 7,57,48
